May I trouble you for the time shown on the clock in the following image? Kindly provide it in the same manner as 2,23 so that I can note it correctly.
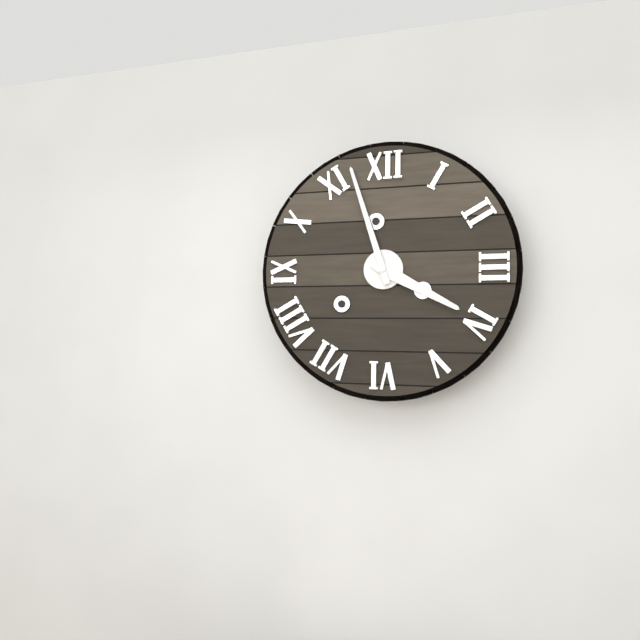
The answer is 3,57
